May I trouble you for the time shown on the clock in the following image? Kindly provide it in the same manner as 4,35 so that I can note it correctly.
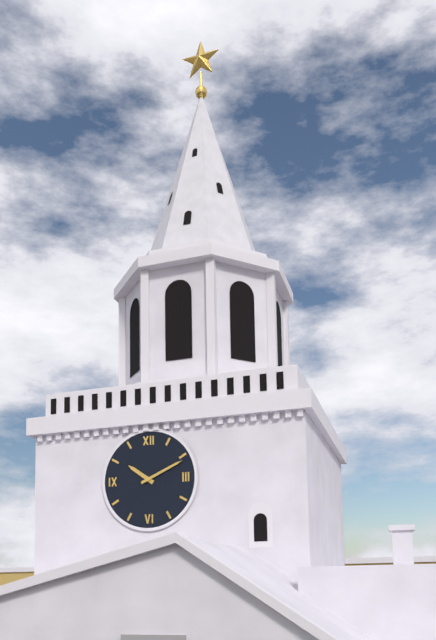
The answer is 10,11
